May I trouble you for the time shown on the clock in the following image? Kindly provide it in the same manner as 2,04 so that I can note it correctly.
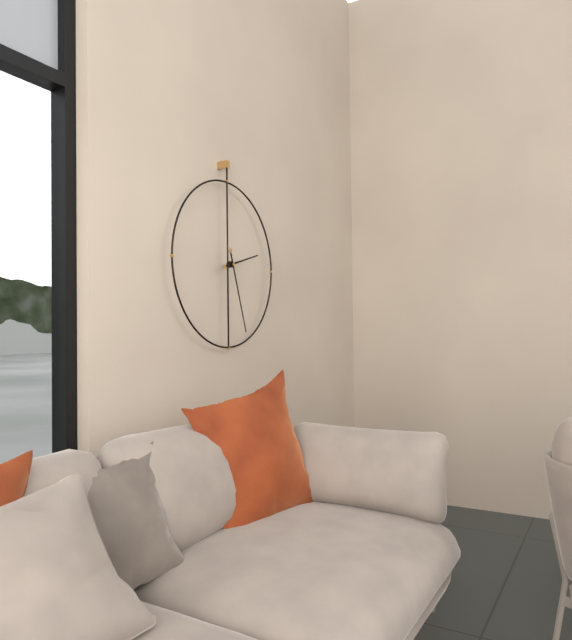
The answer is 2,27
